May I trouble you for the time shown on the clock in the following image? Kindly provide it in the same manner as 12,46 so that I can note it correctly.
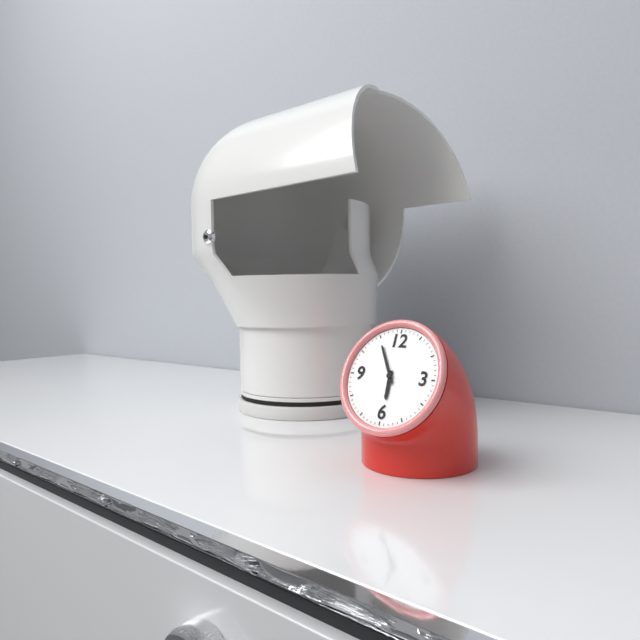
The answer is 5,55
